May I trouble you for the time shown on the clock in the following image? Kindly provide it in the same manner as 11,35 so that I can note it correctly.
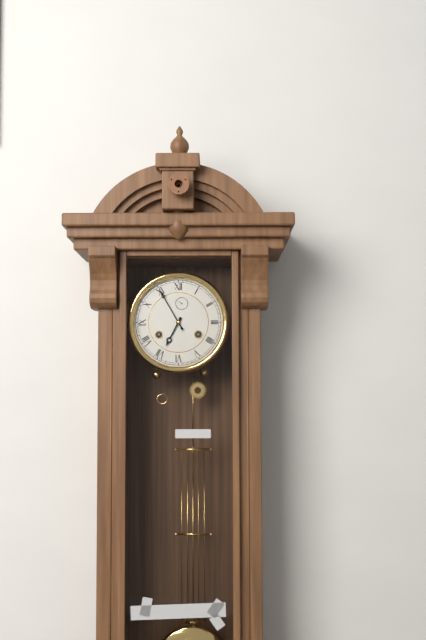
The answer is 6,55
